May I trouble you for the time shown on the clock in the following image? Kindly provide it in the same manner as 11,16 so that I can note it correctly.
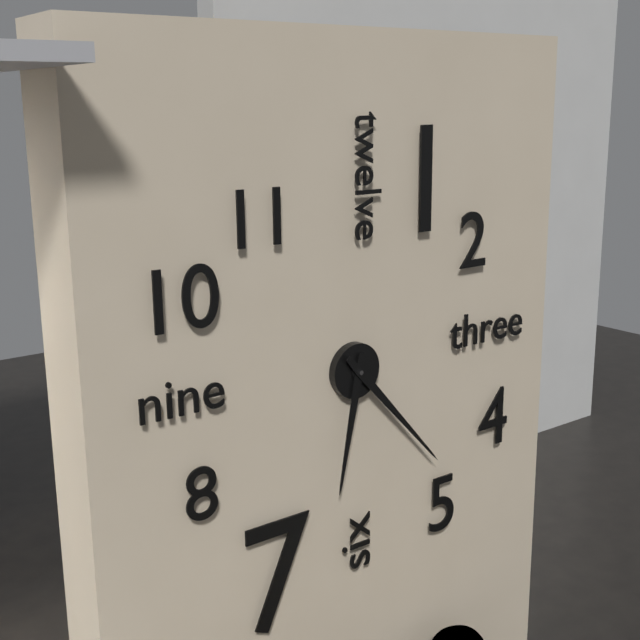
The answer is 6,23
